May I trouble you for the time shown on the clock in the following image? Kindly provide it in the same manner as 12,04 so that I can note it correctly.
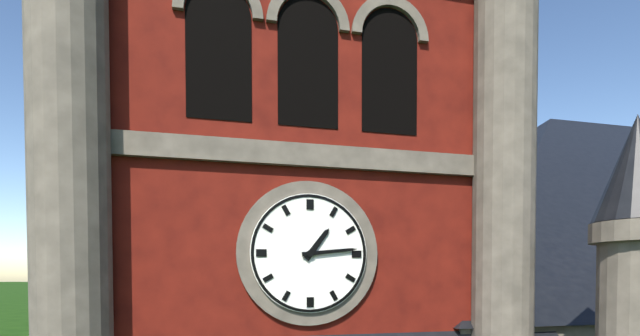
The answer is 1,14
